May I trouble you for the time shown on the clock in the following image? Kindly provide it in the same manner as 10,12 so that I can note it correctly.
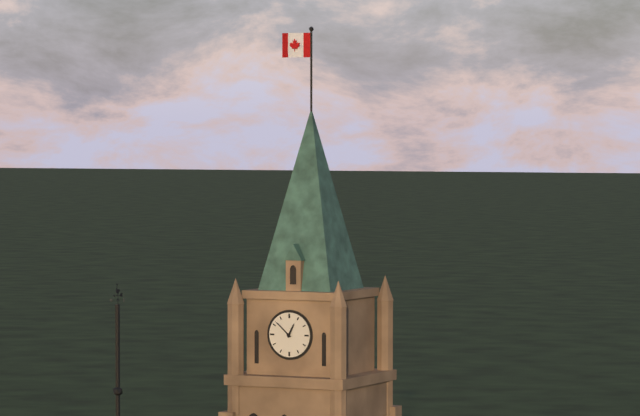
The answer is 12,52
